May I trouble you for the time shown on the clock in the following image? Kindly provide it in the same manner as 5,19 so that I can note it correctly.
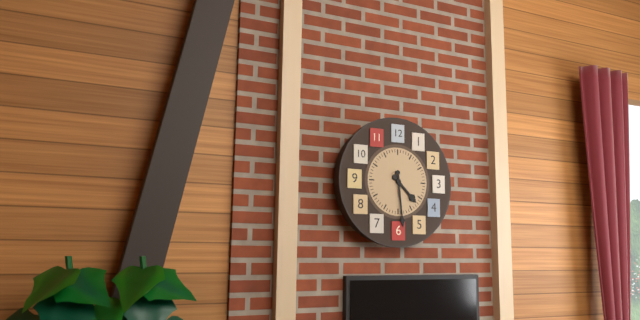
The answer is 4,29
